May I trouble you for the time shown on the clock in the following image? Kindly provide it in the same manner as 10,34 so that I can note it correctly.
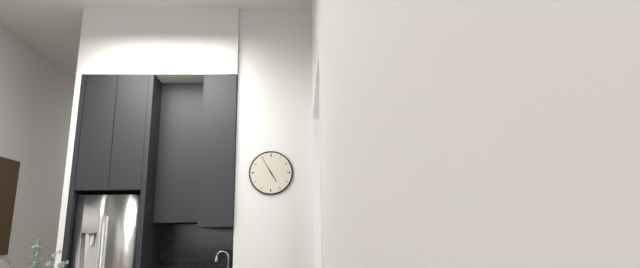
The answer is 4,55
